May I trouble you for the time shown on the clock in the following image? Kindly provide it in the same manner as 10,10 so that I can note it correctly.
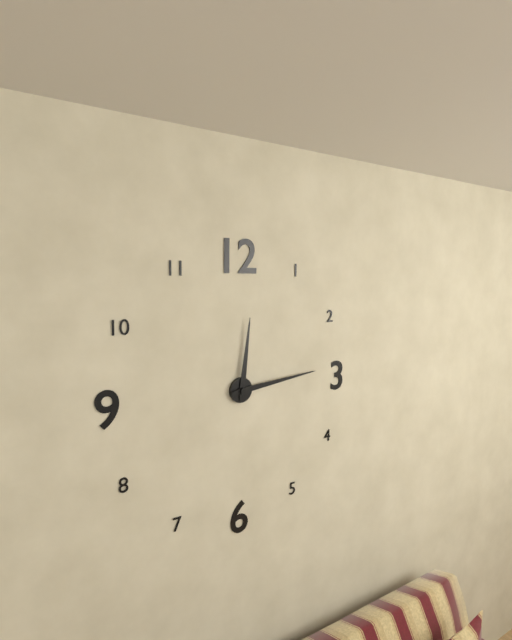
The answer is 12,14
